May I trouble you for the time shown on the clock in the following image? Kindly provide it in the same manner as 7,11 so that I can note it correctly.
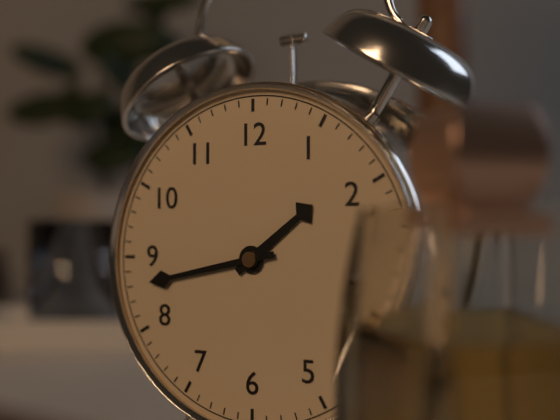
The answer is 1,43
